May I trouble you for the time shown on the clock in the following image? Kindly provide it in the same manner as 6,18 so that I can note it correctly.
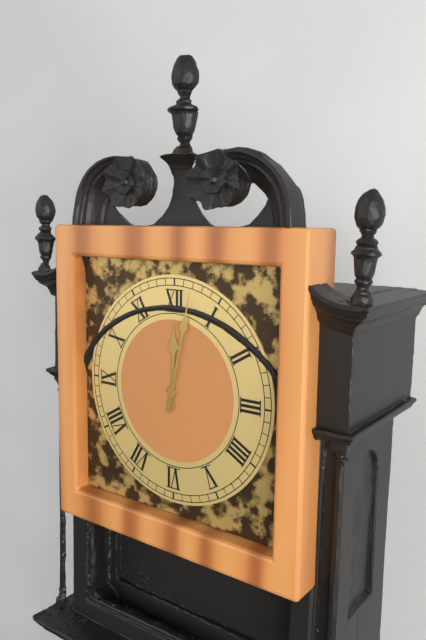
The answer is 12,02
